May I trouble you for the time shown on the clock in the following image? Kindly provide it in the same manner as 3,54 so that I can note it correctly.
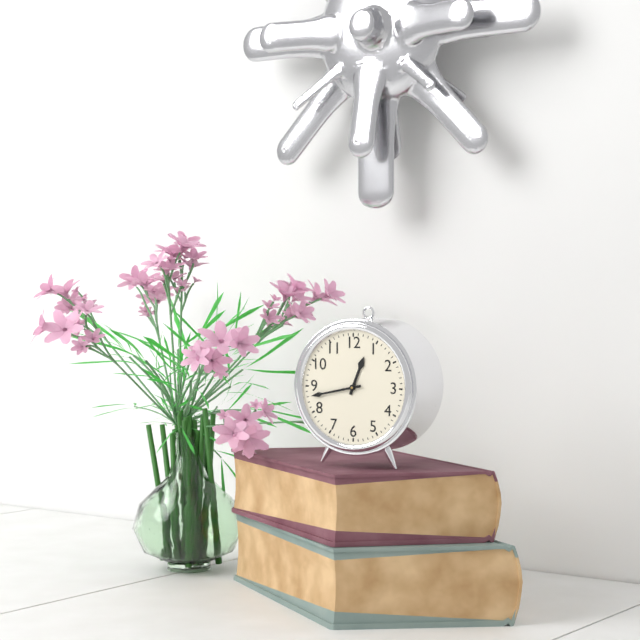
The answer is 12,43
